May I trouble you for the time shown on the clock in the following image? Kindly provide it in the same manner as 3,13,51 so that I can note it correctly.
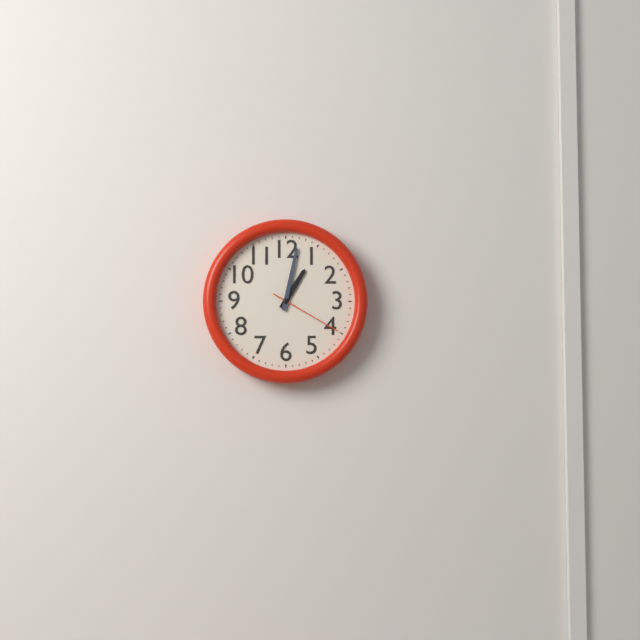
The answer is 1,02,20
